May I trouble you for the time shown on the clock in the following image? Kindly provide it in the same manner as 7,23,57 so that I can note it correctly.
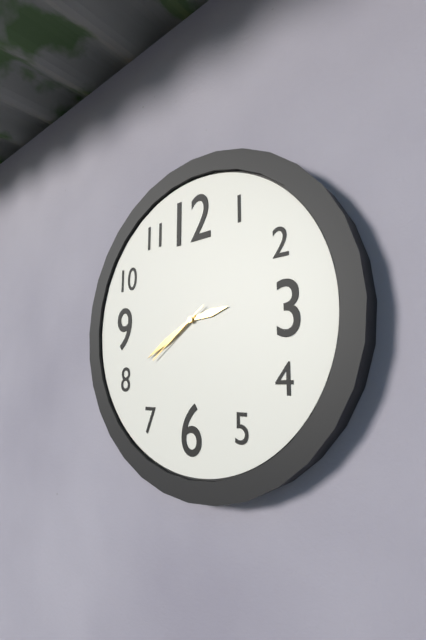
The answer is 2,40,39
